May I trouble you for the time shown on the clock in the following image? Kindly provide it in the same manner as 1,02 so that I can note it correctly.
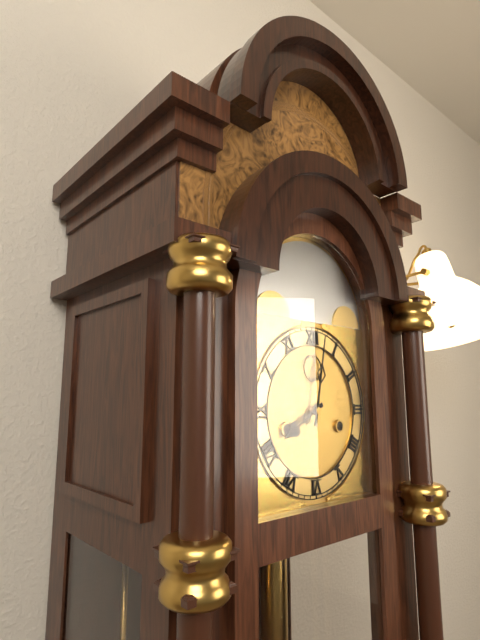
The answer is 8,02
